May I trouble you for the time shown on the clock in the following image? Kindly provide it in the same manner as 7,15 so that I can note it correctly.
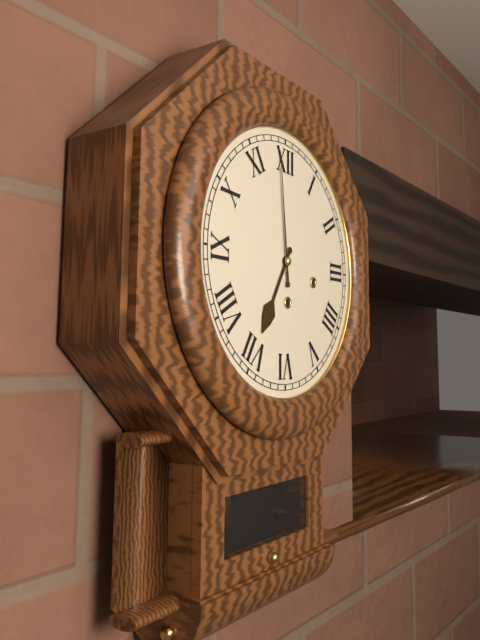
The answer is 6,59
